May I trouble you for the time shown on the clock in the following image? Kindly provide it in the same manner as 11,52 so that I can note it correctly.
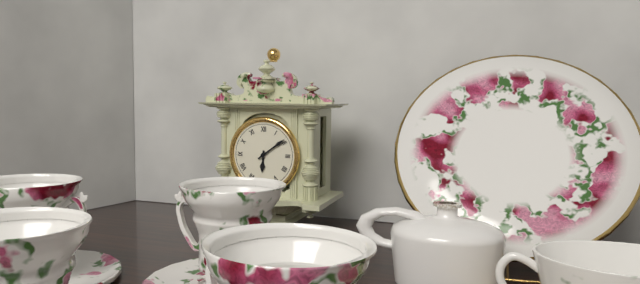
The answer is 6,09
